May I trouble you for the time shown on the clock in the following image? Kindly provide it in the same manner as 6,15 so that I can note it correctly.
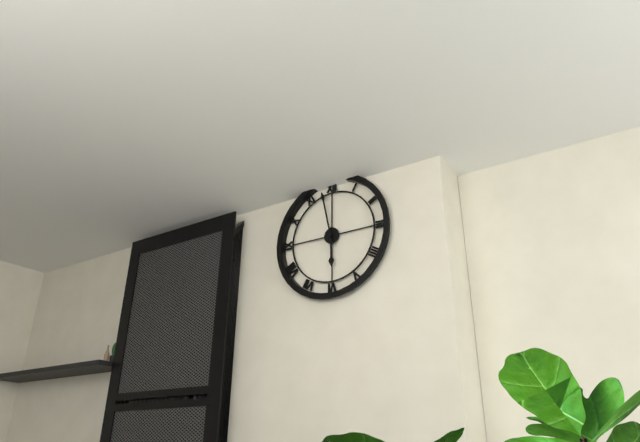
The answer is 5,58
